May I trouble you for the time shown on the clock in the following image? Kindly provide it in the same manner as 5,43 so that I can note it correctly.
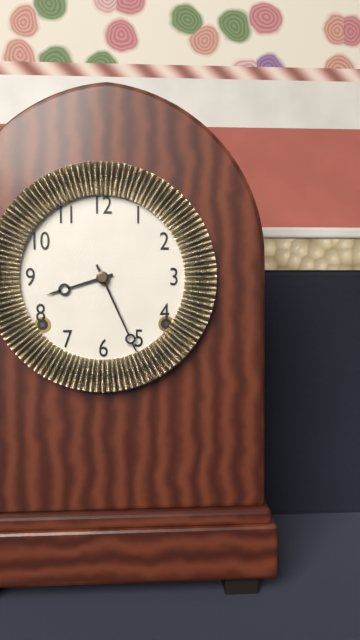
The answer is 8,26
